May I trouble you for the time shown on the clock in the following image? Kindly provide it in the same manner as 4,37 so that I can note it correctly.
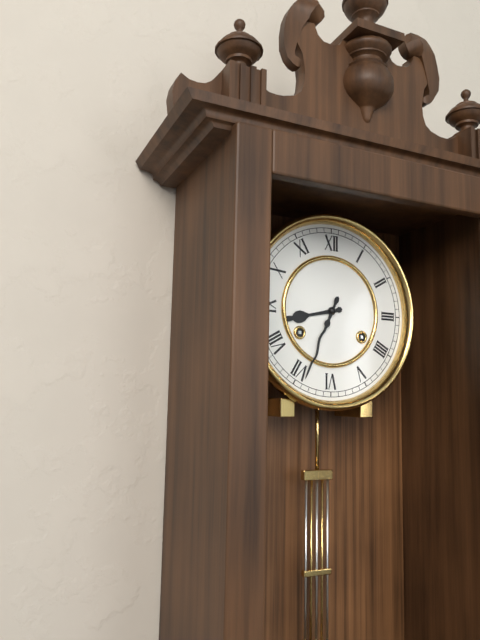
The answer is 8,34
